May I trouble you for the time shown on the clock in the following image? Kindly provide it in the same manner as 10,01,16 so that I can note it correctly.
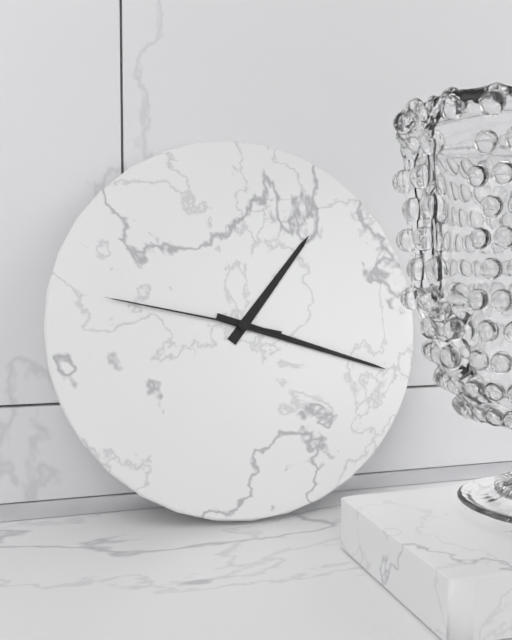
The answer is 1,18,47
